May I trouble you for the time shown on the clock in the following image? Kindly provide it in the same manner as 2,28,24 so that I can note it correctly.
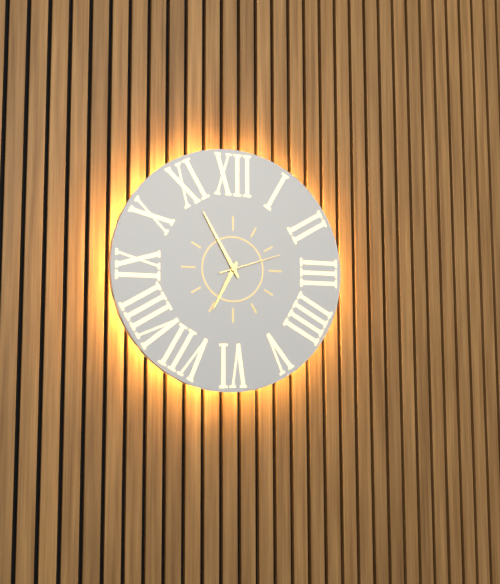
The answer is 6,55,12
